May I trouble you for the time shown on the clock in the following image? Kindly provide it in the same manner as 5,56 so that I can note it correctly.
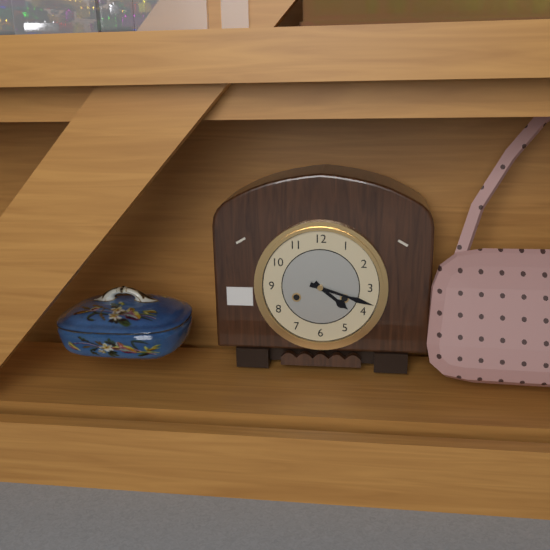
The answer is 4,18
